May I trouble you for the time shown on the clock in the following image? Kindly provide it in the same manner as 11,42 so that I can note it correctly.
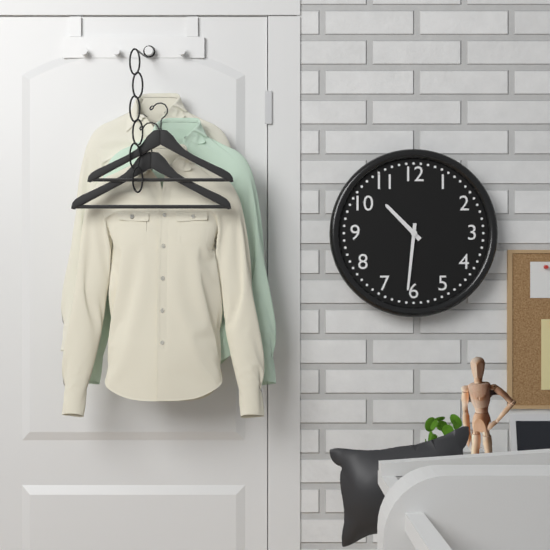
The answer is 10,31
